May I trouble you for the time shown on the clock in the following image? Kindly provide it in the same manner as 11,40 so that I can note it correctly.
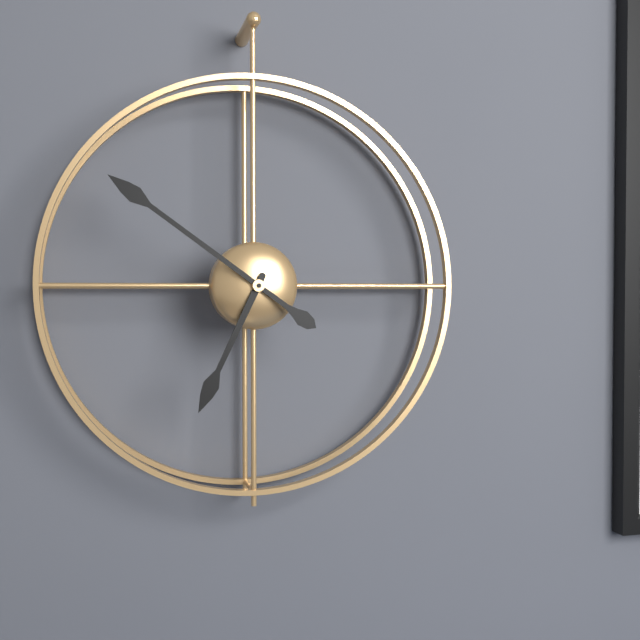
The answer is 6,51
